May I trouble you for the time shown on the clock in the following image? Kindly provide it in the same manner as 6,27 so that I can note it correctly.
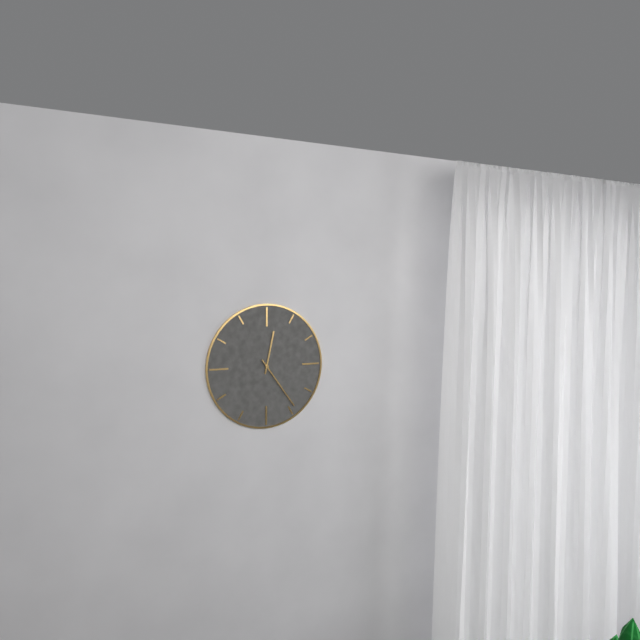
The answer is 12,24
